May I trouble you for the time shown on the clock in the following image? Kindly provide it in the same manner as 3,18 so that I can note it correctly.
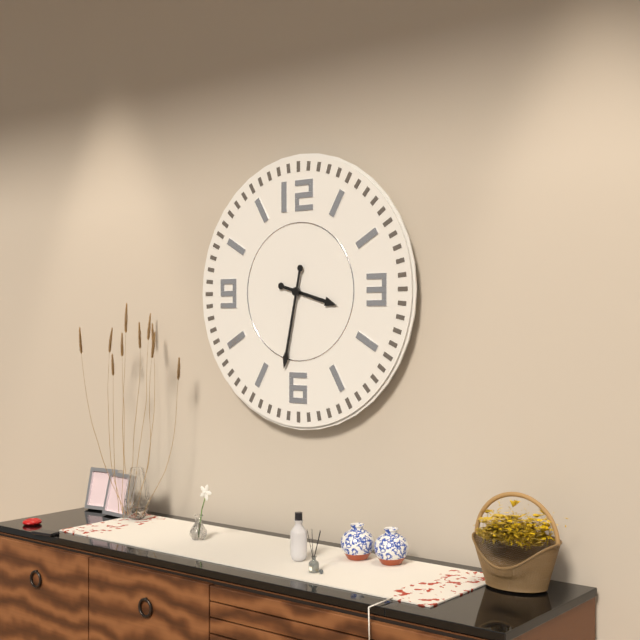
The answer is 3,32
